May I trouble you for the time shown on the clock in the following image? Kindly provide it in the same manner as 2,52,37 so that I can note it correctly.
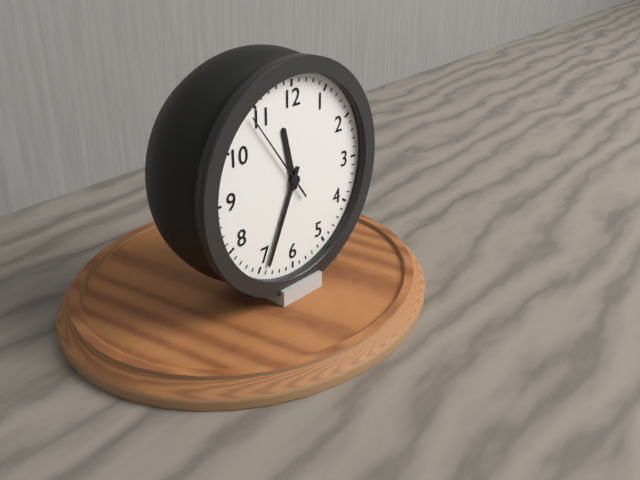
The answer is 11,34,54
